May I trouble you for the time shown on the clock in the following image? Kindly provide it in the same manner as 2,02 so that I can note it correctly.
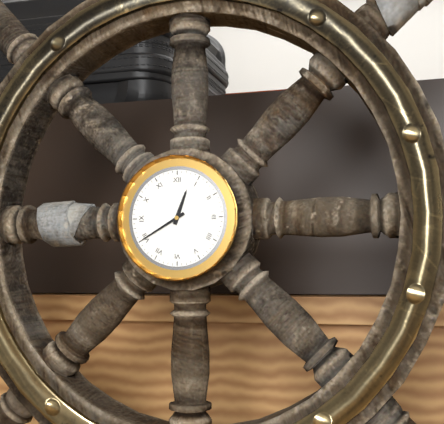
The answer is 12,40
